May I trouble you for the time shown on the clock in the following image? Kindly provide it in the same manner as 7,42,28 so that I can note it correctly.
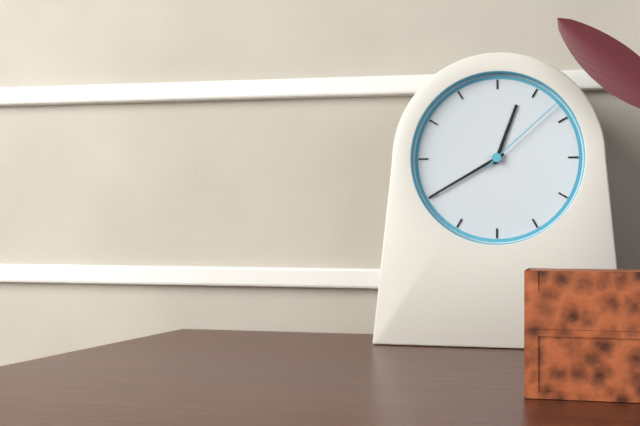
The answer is 12,40,08
